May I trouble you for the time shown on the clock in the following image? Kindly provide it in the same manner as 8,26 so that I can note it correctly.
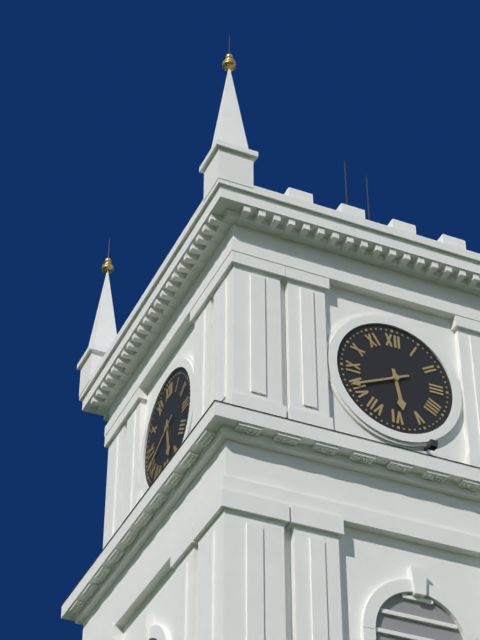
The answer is 5,41
